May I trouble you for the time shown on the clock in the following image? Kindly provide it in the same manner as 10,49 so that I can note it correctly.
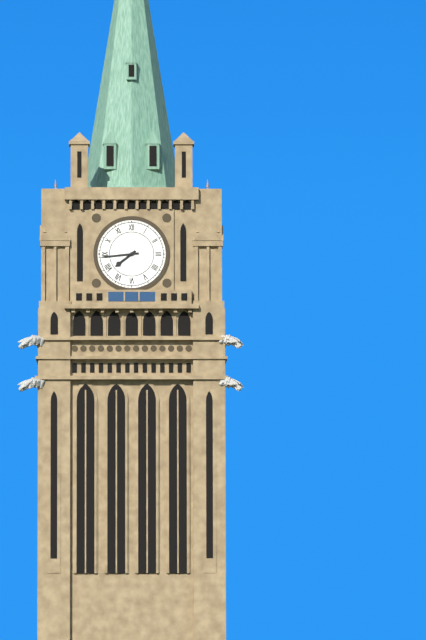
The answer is 7,44
